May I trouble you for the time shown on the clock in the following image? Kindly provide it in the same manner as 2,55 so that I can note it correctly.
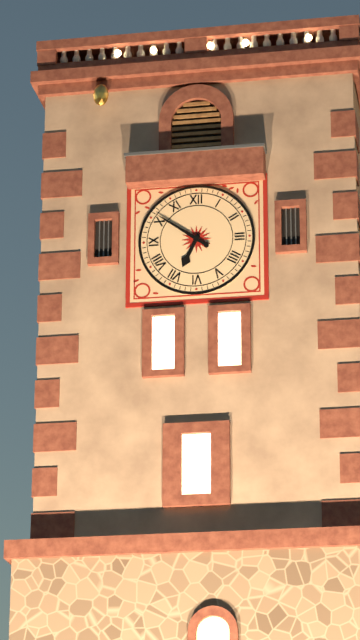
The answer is 6,51
